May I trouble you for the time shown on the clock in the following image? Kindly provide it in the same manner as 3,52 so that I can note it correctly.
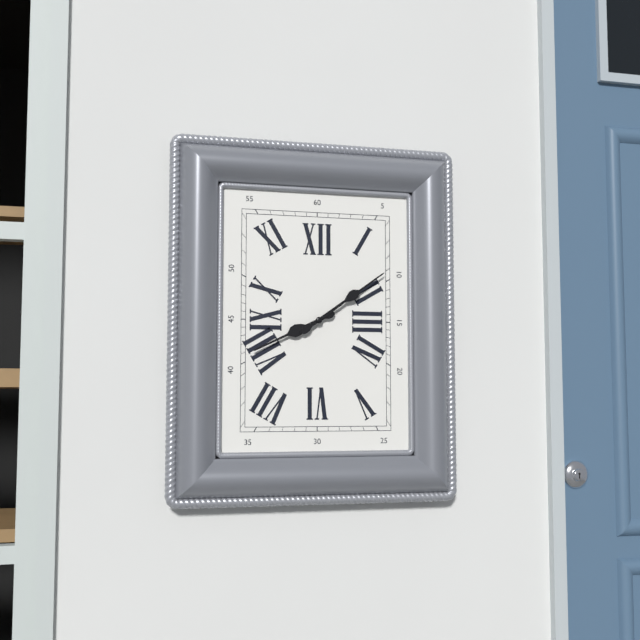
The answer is 8,09
